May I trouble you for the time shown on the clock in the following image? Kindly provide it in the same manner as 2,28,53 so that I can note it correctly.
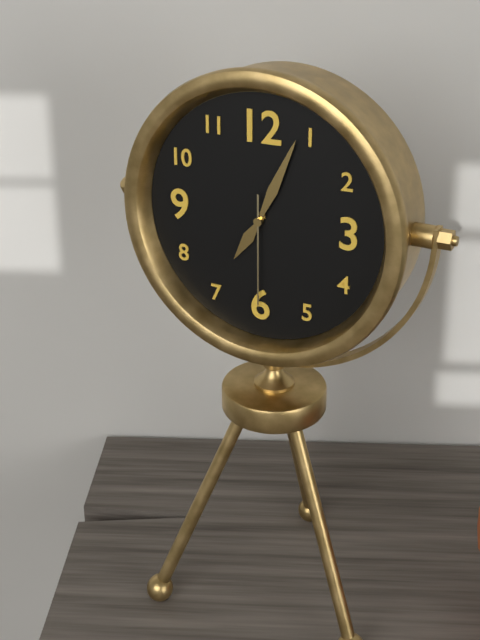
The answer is 7,04,30
